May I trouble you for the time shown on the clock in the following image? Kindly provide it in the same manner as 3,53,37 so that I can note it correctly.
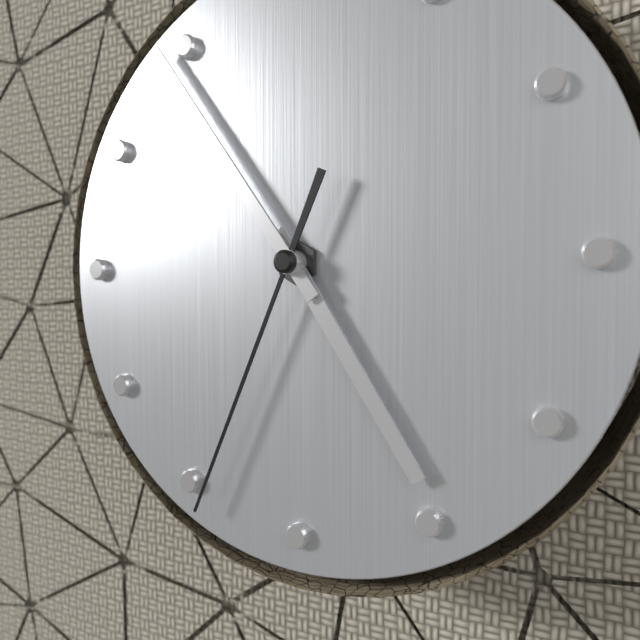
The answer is 4,54,34
